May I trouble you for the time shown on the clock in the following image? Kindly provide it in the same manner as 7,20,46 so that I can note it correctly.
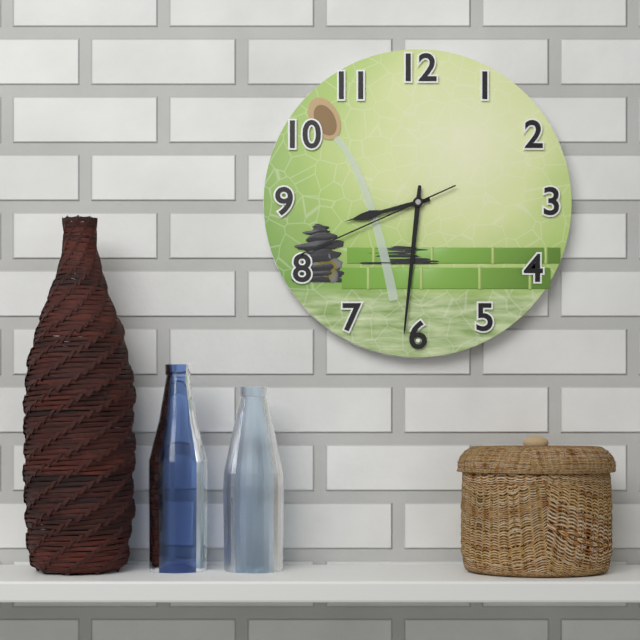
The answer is 8,31,41
